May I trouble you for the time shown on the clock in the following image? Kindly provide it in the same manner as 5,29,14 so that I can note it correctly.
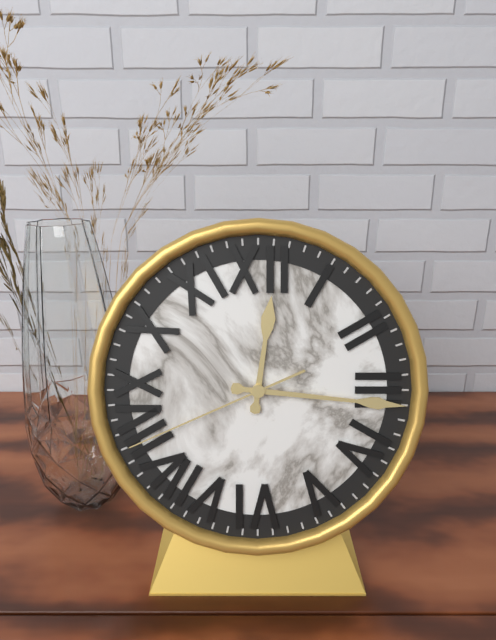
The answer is 12,16,41
